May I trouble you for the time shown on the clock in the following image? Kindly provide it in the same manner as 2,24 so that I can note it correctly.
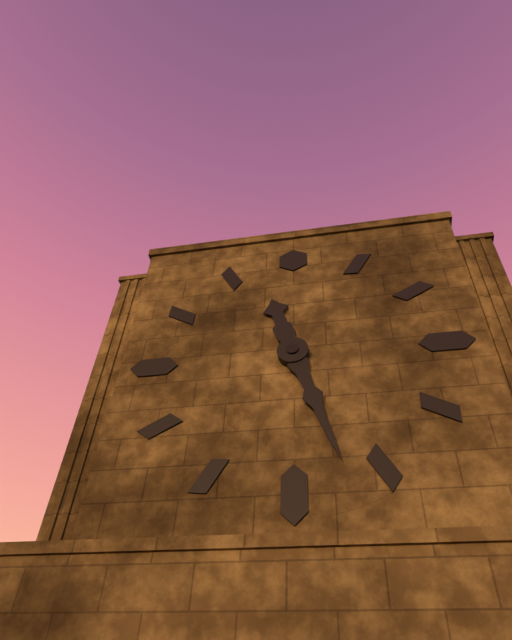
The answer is 11,27
